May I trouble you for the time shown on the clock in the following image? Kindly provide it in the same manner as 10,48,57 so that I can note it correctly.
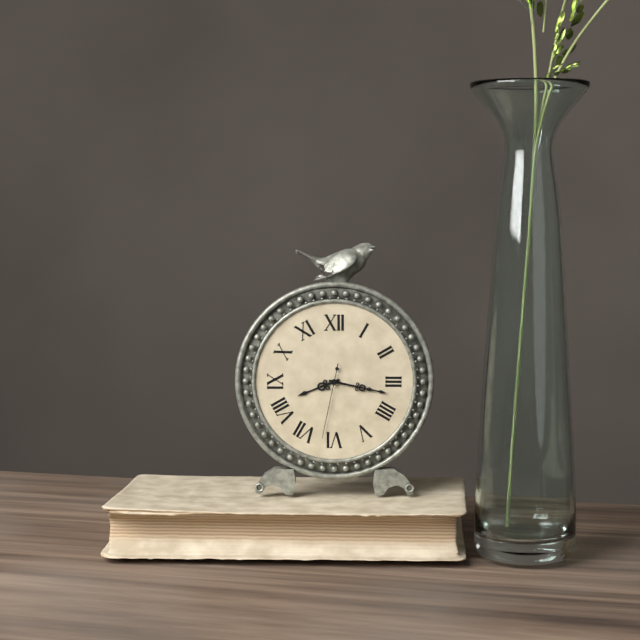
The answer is 8,17,32
